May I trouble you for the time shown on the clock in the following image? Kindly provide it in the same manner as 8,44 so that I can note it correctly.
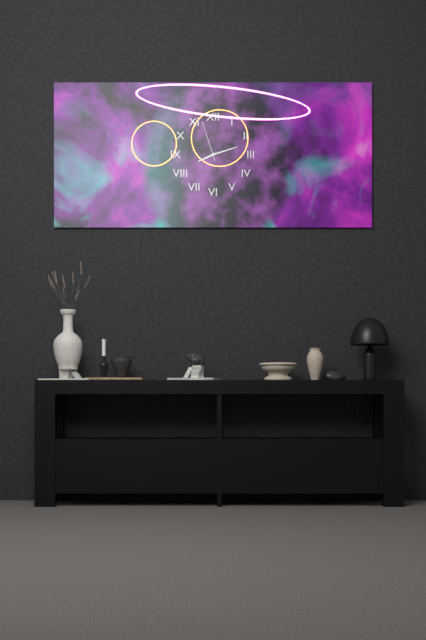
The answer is 8,12
